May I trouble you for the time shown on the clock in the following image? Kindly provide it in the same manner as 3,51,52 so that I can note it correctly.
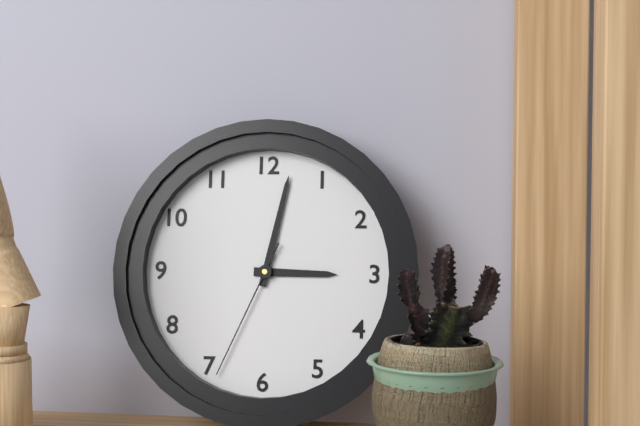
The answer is 3,02,34
